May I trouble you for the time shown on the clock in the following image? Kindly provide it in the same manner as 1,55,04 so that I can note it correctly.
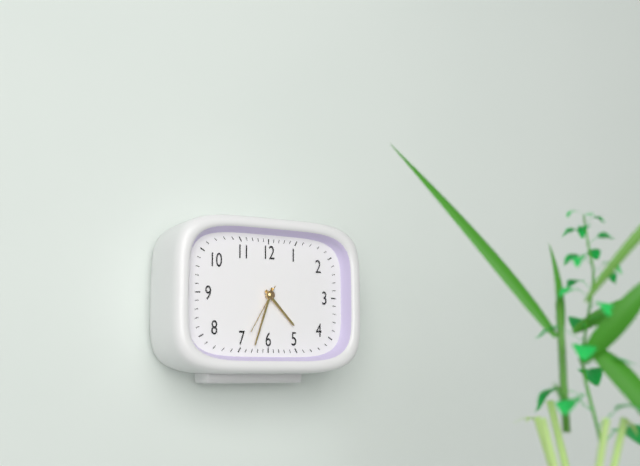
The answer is 4,33,35
